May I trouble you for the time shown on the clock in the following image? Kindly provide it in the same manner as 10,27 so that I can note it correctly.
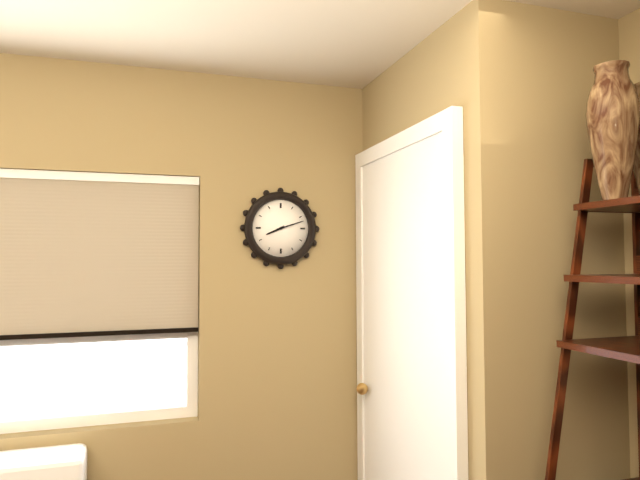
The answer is 8,12
